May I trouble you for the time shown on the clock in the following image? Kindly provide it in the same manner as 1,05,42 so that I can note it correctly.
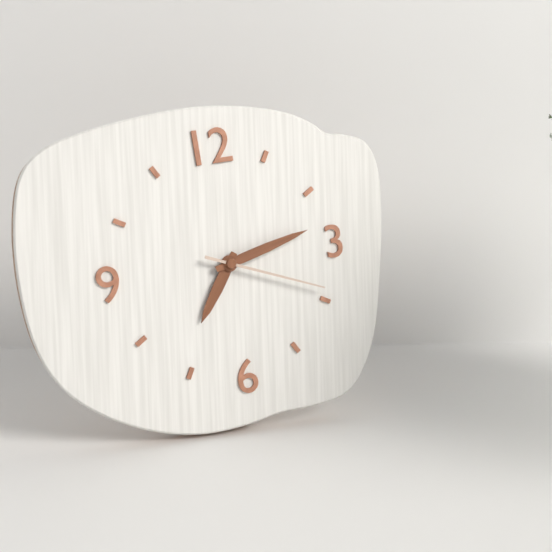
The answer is 7,13,19
